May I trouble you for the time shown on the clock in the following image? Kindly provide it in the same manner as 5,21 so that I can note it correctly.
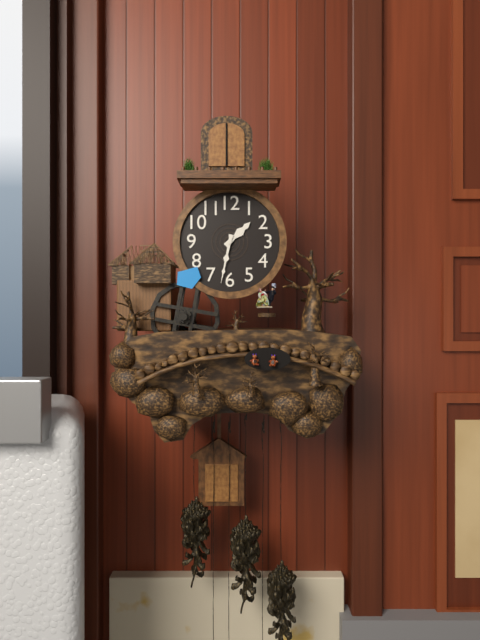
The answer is 1,32
